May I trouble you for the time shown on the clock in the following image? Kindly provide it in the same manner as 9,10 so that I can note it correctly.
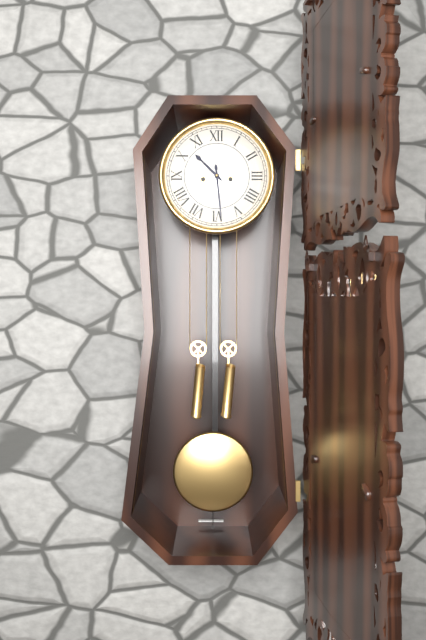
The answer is 10,29
